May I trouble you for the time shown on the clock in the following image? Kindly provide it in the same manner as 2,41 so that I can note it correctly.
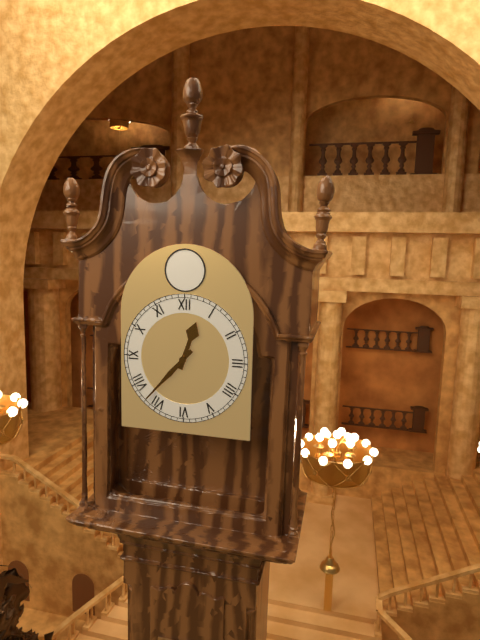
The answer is 12,37
